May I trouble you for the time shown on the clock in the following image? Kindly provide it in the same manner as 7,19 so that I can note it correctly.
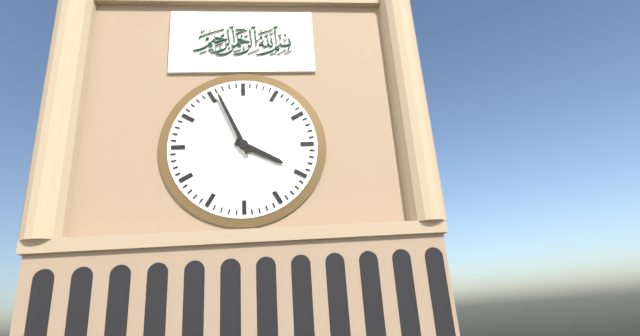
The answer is 3,56
